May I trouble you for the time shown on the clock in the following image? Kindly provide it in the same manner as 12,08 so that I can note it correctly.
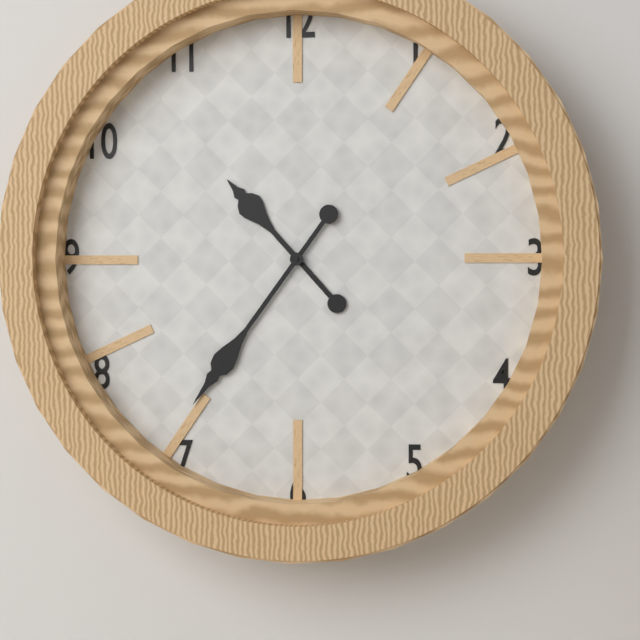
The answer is 10,36
